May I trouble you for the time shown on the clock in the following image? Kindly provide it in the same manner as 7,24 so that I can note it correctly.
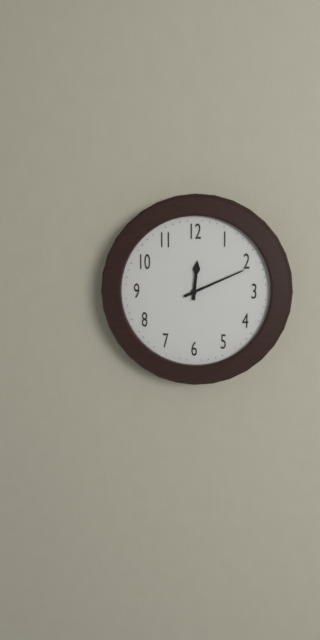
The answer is 12,11
